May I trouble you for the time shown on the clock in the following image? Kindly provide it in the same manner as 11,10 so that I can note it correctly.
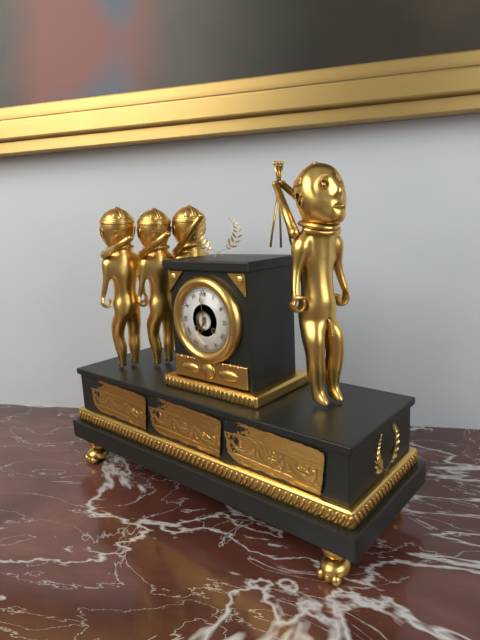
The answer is 6,59
